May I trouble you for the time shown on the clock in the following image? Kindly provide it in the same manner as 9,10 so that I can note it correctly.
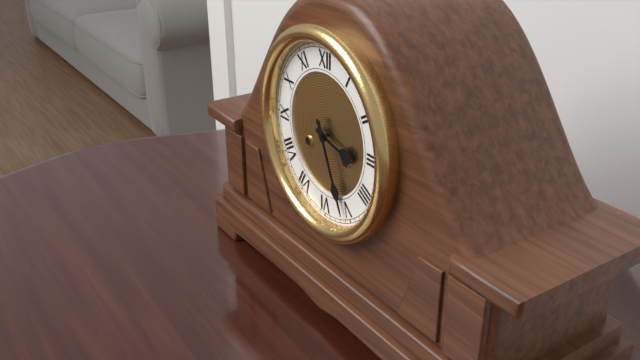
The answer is 3,26
